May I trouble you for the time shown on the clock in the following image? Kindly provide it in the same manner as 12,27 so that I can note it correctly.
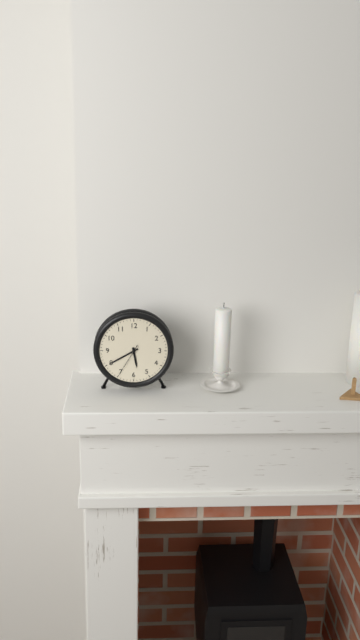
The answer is 5,40
